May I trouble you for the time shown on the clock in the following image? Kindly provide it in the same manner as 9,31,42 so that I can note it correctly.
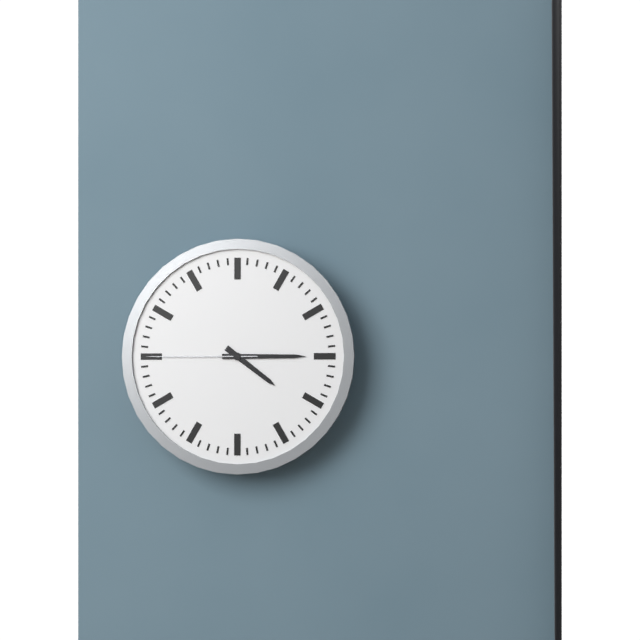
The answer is 4,15,45
